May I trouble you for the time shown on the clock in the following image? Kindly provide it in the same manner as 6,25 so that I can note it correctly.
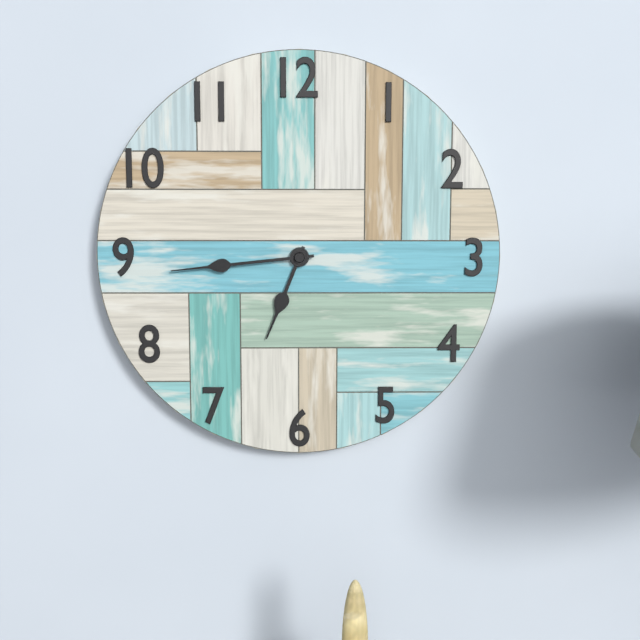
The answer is 6,44
